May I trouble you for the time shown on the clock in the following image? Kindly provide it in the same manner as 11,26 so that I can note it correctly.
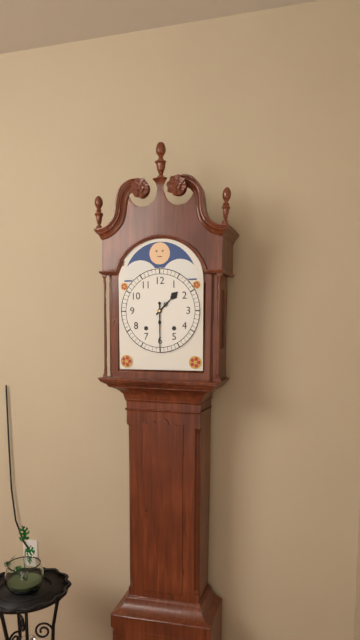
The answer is 1,30
